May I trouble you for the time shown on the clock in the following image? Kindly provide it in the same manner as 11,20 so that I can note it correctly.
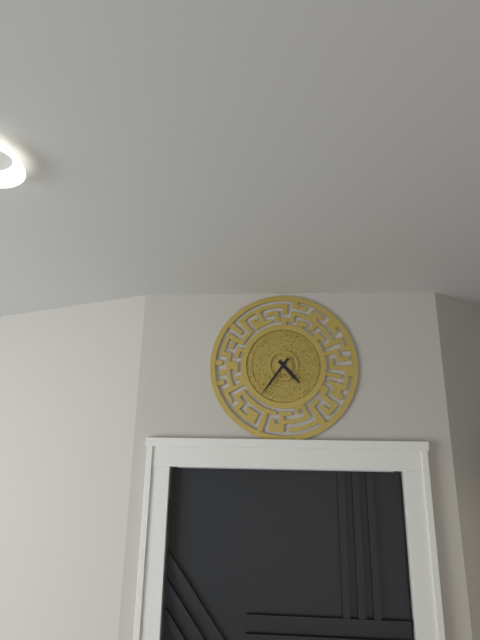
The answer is 4,36
